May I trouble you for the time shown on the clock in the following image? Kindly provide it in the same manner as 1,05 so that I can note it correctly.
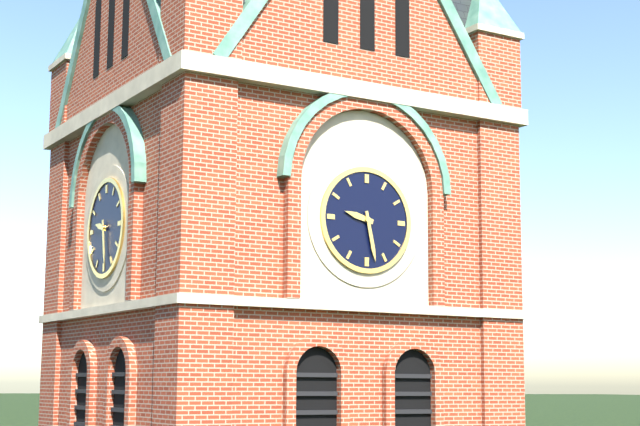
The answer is 9,28
